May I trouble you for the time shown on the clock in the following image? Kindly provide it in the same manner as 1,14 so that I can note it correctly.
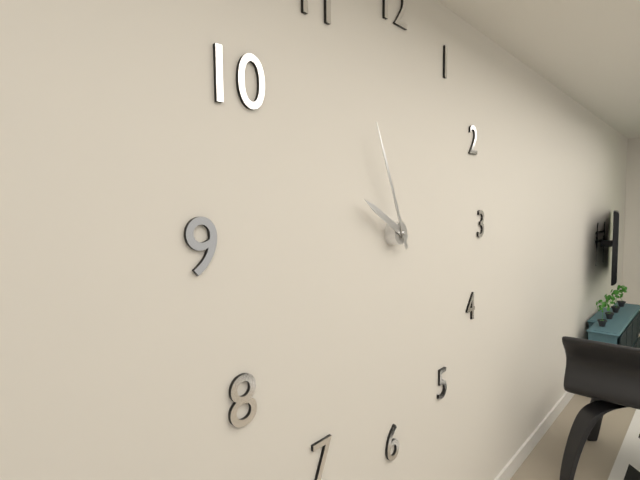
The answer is 9,56
